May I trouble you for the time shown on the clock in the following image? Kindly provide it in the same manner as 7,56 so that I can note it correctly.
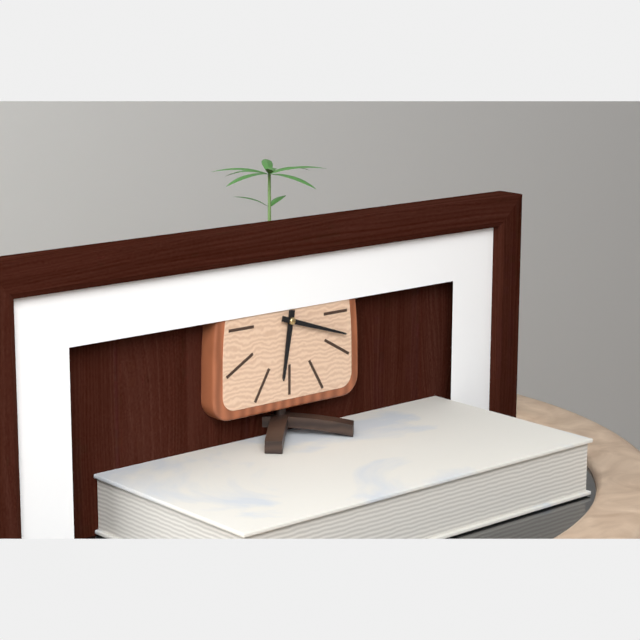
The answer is 6,18
